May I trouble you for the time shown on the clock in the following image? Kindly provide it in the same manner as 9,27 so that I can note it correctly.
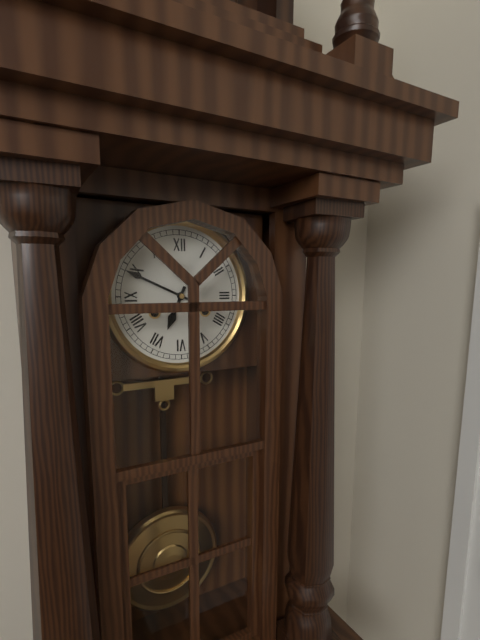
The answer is 6,49
